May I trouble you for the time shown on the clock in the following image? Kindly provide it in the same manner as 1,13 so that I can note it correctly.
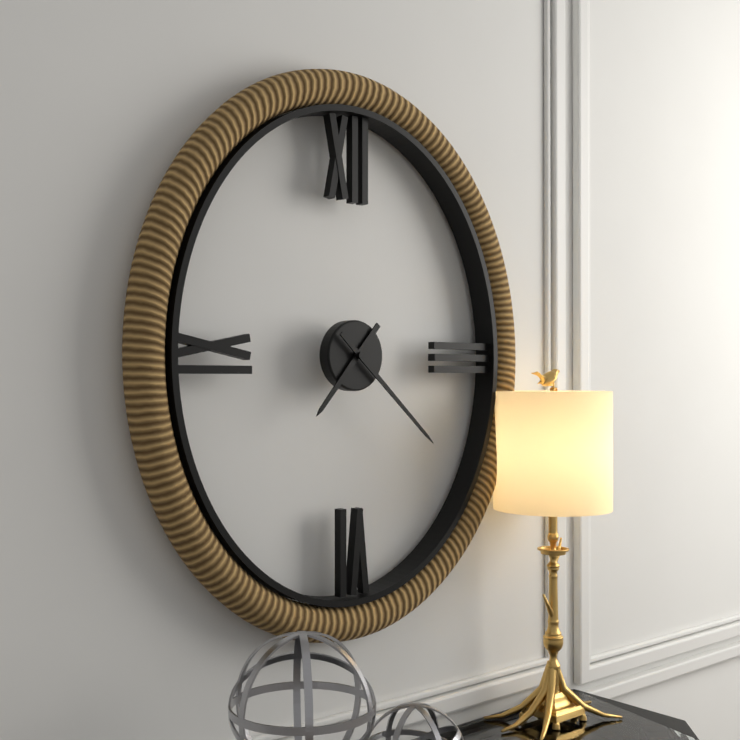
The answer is 7,22
